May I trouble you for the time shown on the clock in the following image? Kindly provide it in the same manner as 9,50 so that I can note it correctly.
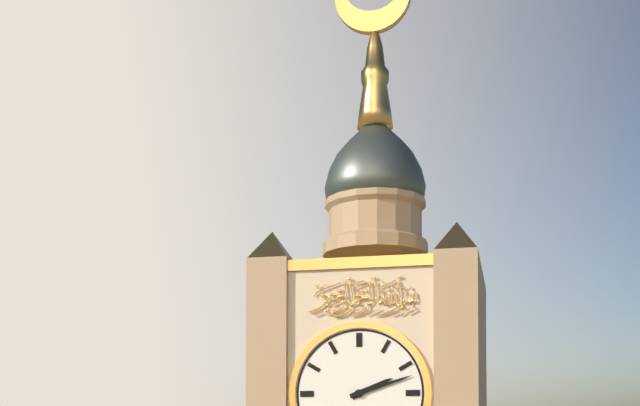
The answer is 2,12
